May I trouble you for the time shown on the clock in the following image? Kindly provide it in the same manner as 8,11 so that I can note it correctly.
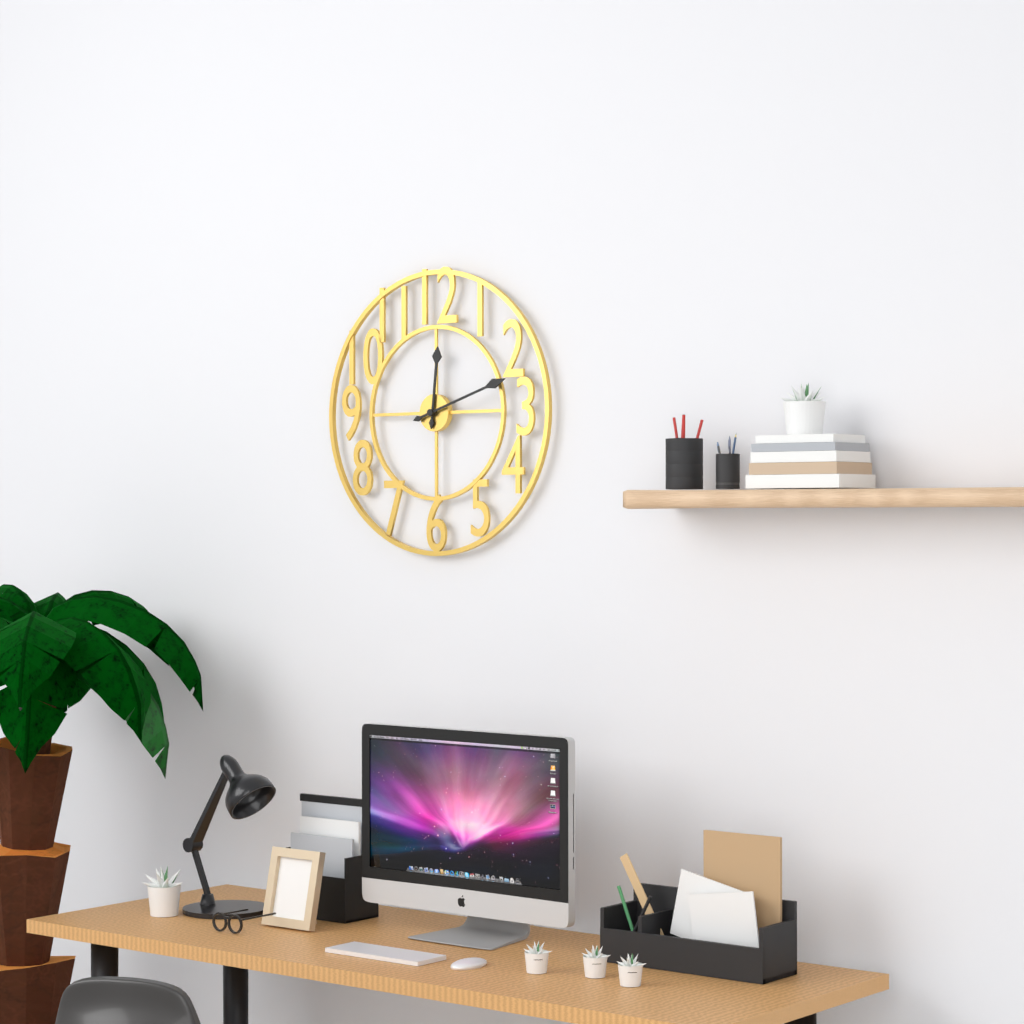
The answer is 12,12
